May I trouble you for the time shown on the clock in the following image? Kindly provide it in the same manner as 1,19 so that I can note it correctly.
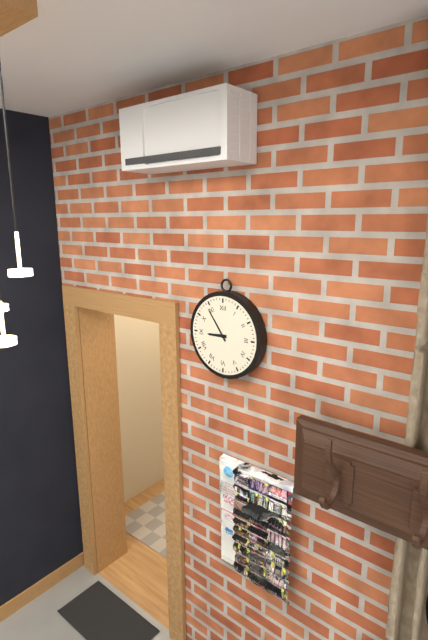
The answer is 8,54
